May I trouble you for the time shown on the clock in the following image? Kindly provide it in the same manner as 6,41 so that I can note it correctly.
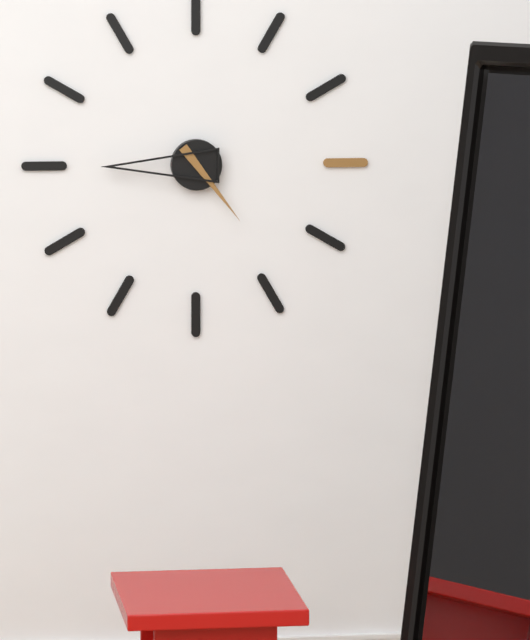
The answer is 4,45
